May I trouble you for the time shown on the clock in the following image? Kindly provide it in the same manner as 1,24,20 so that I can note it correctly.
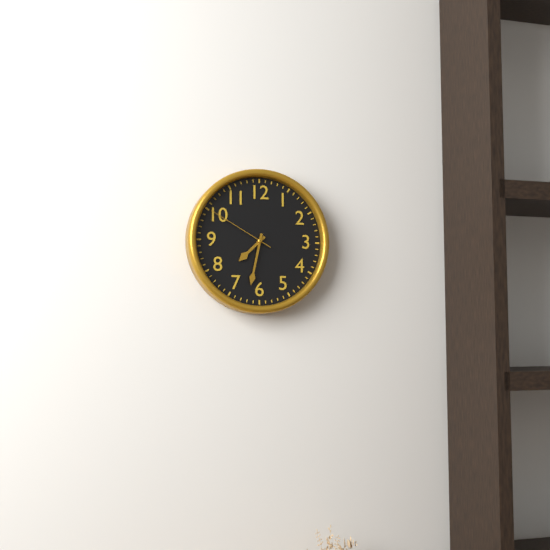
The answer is 7,32,50
